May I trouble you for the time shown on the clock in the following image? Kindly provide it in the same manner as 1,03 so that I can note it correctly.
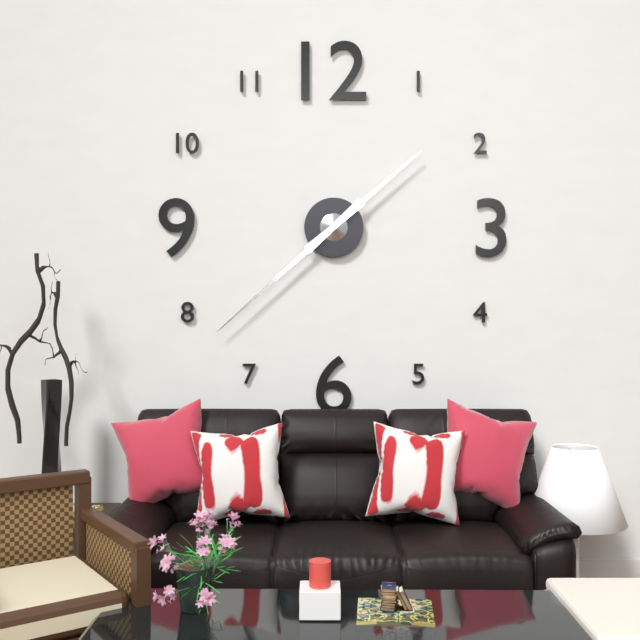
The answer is 1,38
